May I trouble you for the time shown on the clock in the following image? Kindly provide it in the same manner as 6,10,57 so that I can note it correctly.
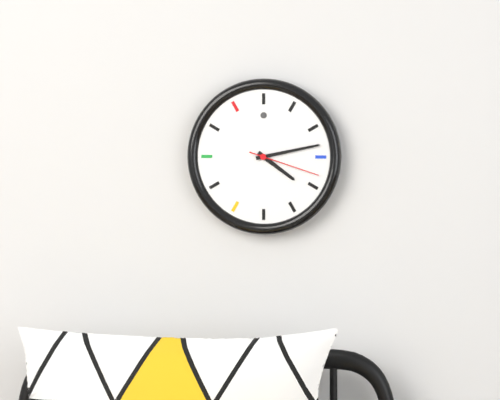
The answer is 4,13,18
